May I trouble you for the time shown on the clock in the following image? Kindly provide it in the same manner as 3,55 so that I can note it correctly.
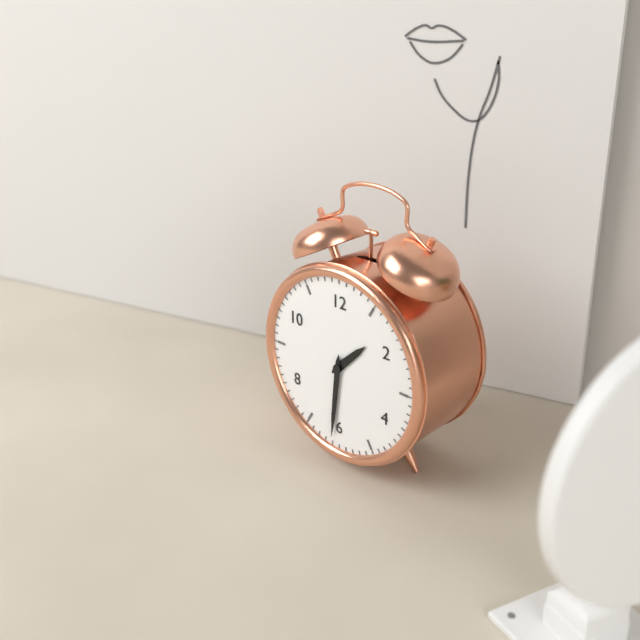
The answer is 1,31
